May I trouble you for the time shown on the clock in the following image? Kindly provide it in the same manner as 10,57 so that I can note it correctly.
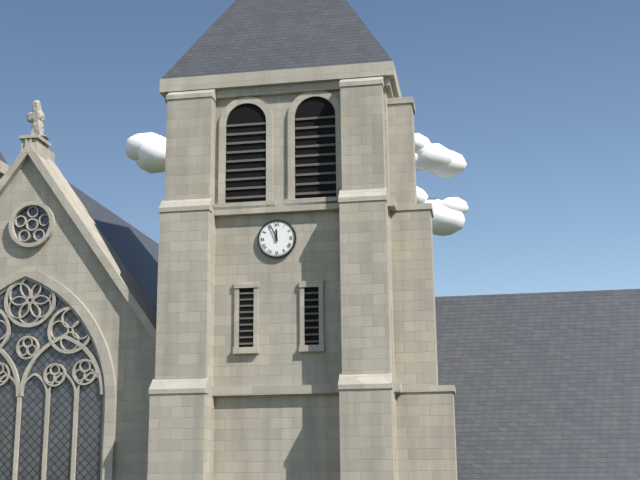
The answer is 11,56
